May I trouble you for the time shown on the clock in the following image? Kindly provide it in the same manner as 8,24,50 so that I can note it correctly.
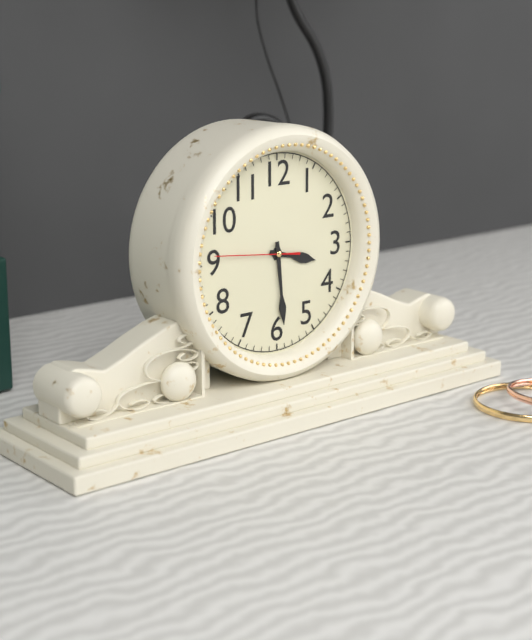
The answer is 3,29,46
